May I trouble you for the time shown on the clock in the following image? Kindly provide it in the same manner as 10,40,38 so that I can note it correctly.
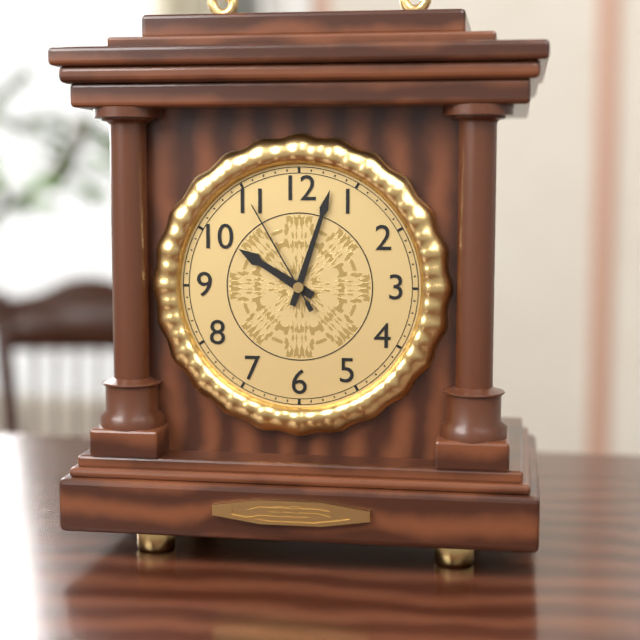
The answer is 10,03,55
